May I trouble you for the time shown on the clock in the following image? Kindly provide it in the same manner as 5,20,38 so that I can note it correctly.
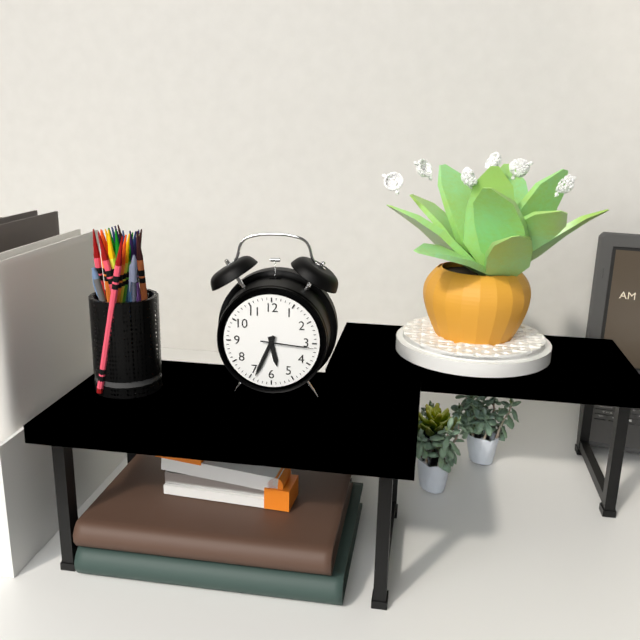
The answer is 5,34,16
